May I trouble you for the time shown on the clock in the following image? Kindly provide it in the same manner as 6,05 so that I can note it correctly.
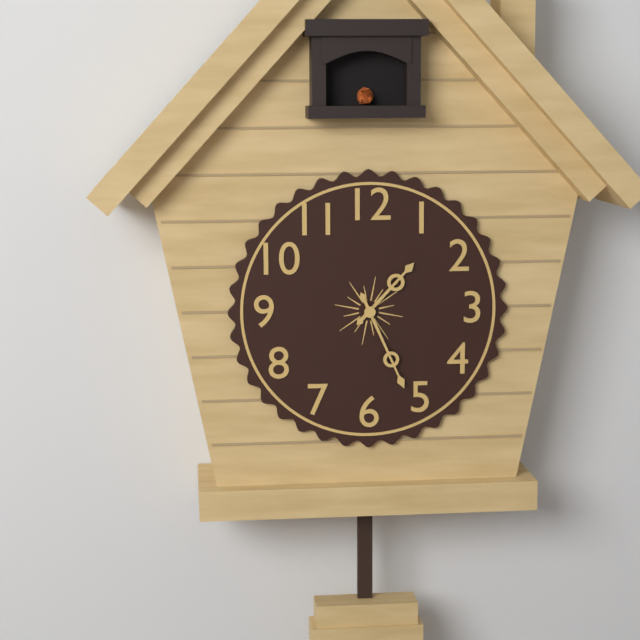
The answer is 1,26
